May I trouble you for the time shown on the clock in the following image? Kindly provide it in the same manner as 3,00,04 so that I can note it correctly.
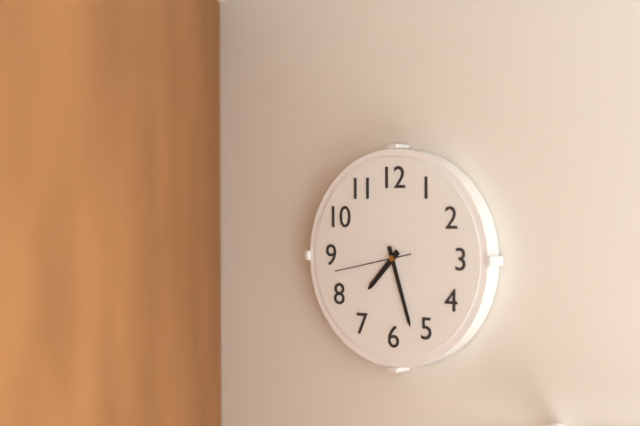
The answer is 7,27,43
